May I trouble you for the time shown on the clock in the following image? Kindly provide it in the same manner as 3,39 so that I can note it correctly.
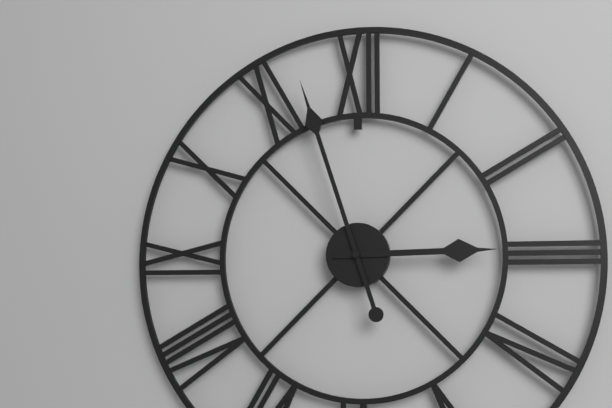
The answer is 2,57
